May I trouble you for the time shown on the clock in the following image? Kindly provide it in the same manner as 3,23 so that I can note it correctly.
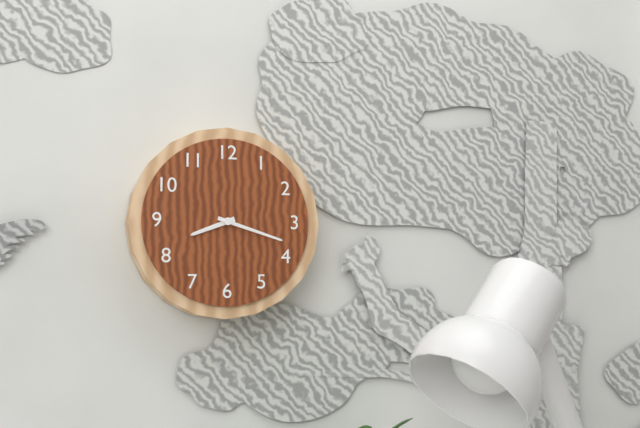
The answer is 8,18
